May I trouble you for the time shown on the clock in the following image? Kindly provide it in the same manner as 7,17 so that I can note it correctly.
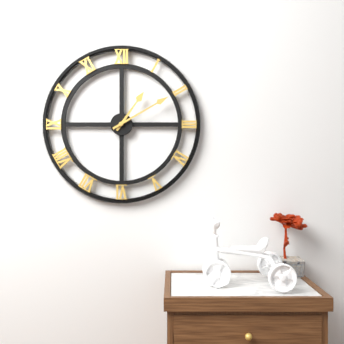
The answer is 1,10
